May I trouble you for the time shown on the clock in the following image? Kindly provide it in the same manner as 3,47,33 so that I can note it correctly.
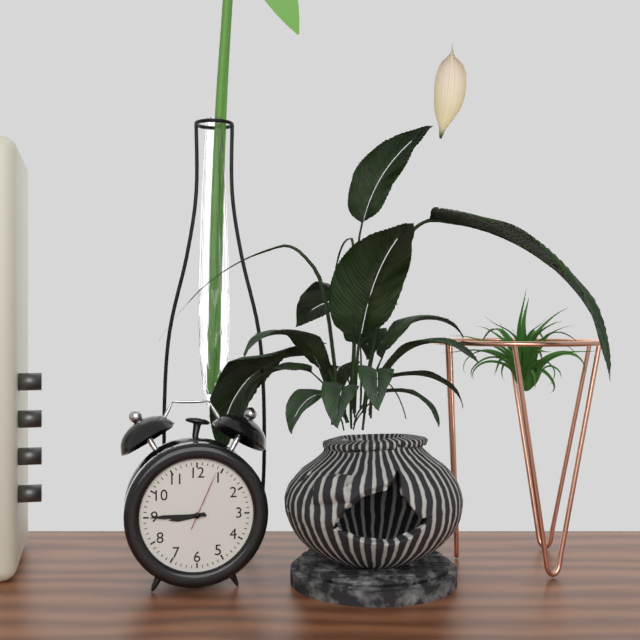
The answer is 8,45,04
